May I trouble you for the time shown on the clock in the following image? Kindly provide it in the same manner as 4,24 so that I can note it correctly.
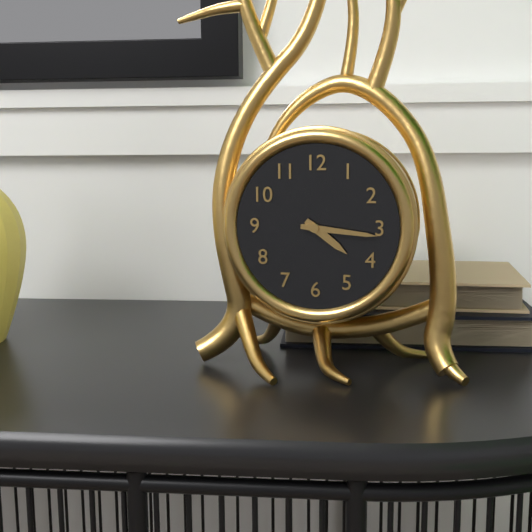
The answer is 4,16
